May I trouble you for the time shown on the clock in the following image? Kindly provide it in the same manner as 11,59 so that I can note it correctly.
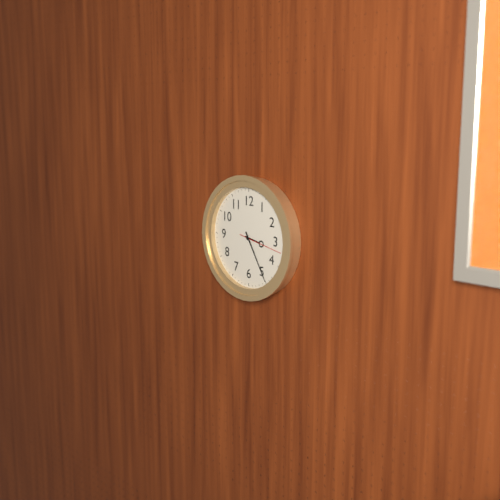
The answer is 3,25
